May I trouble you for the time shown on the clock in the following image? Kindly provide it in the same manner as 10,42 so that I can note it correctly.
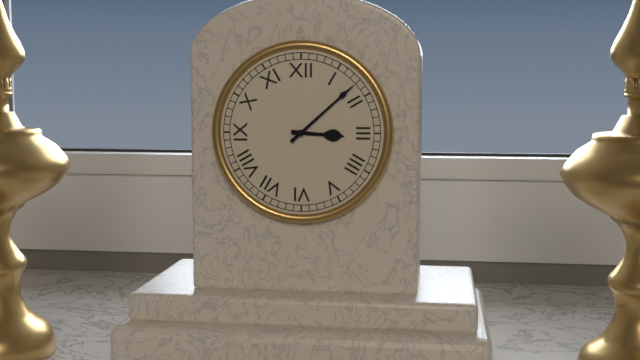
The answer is 3,08
